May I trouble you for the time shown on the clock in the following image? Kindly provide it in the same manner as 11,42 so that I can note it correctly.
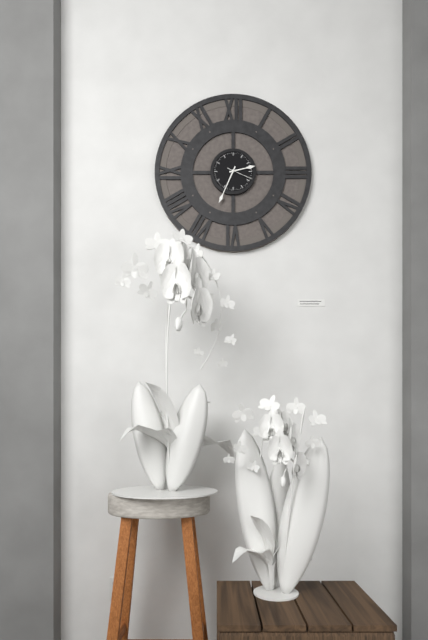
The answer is 2,34
